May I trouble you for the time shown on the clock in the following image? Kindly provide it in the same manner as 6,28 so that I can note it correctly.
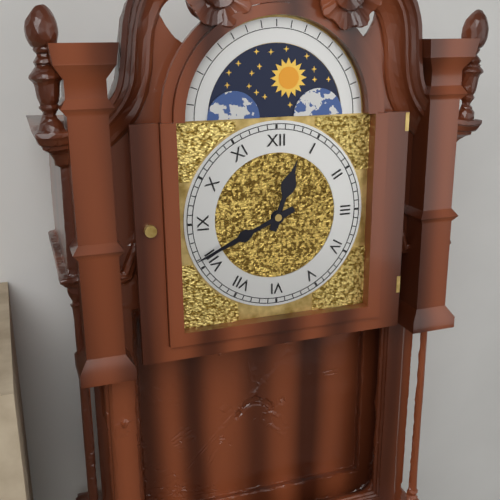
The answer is 12,41
